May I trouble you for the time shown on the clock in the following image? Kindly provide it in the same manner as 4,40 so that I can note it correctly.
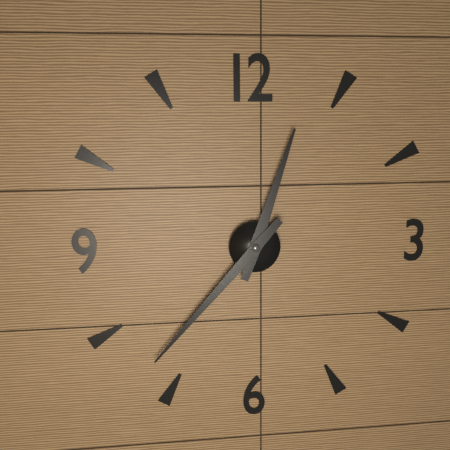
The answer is 12,37
